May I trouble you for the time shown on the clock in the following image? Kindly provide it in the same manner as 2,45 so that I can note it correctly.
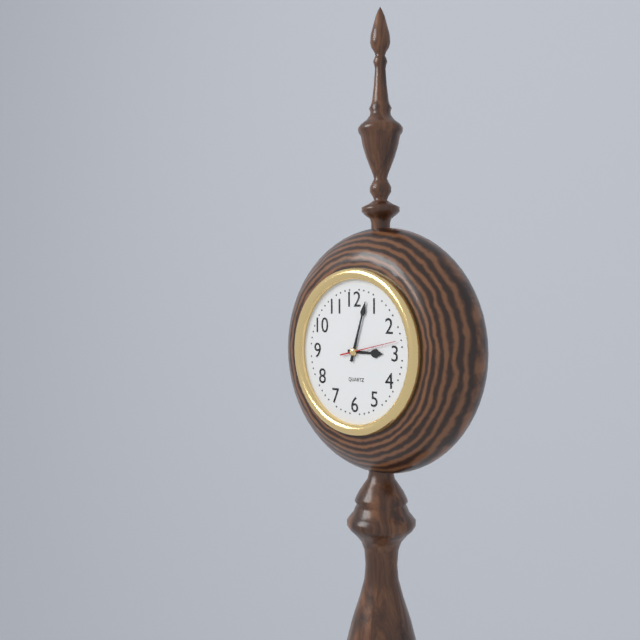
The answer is 3,03
